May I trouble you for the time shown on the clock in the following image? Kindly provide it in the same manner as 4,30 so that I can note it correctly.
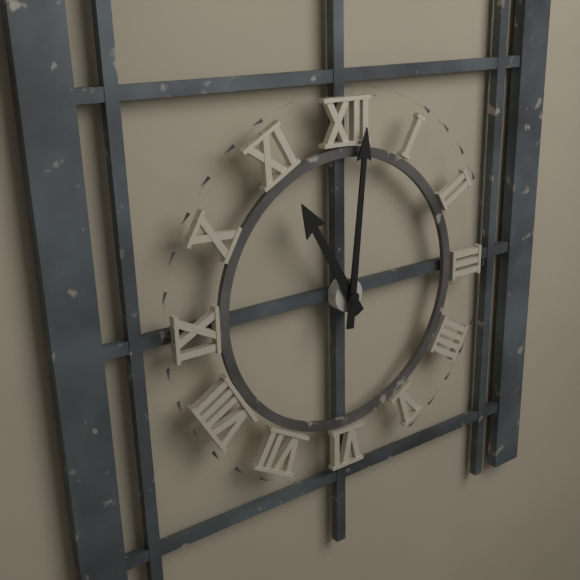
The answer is 11,01
